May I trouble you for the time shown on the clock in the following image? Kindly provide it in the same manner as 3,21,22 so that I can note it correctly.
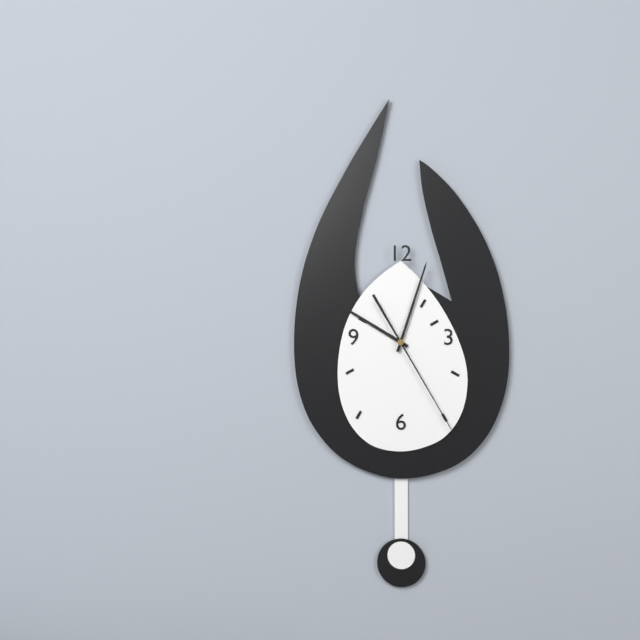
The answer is 10,03,25
